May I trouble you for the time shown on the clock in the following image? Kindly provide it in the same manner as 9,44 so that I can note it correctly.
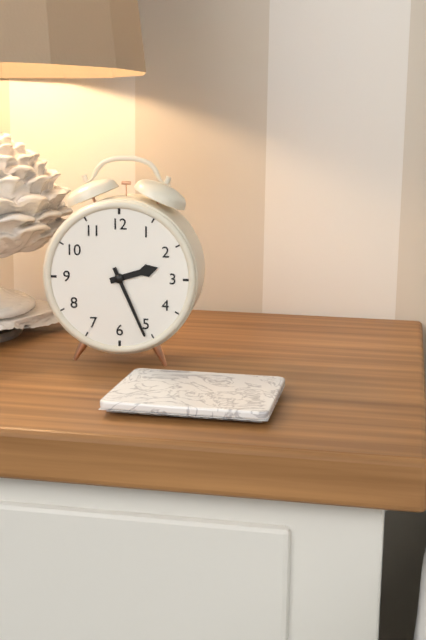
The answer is 2,26
